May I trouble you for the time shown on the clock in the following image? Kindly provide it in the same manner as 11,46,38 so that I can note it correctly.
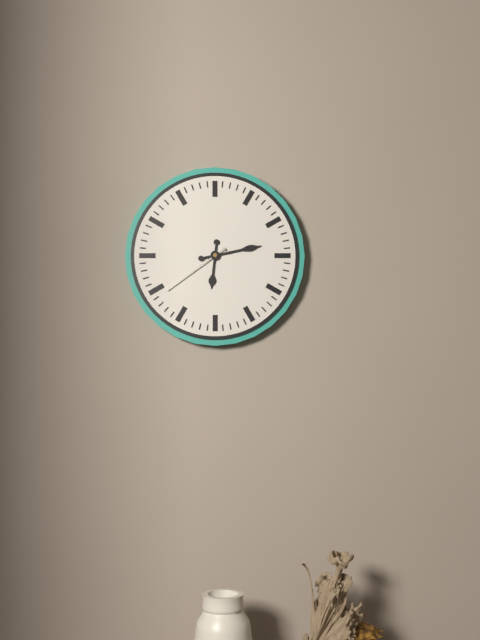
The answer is 6,13,39
